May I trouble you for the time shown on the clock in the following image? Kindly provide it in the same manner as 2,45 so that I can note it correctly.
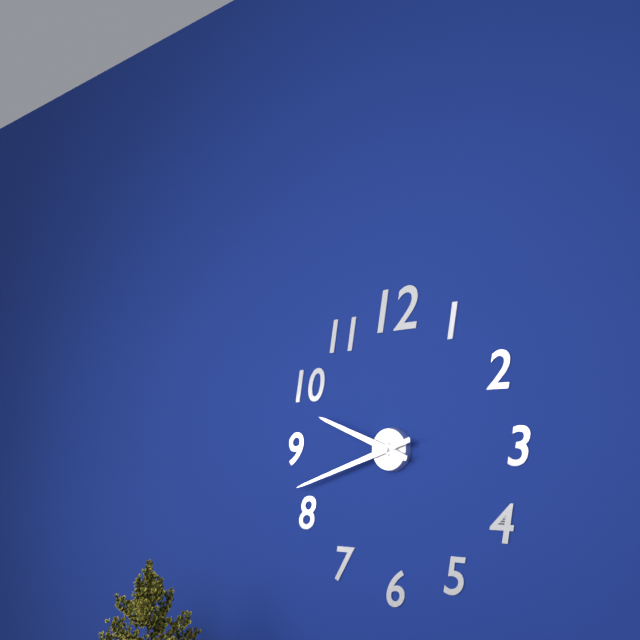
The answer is 9,42
